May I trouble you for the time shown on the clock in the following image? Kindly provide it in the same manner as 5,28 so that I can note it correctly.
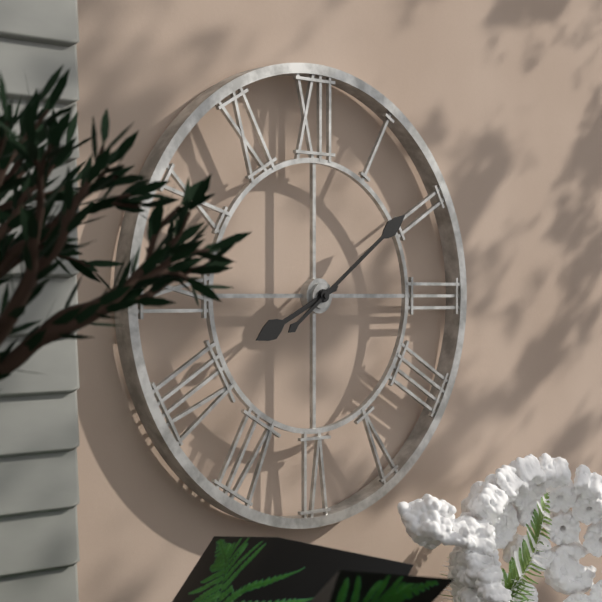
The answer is 8,09
